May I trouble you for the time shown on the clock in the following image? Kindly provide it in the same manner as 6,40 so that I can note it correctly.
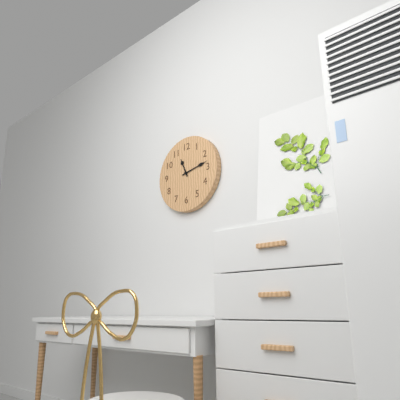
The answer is 11,13
